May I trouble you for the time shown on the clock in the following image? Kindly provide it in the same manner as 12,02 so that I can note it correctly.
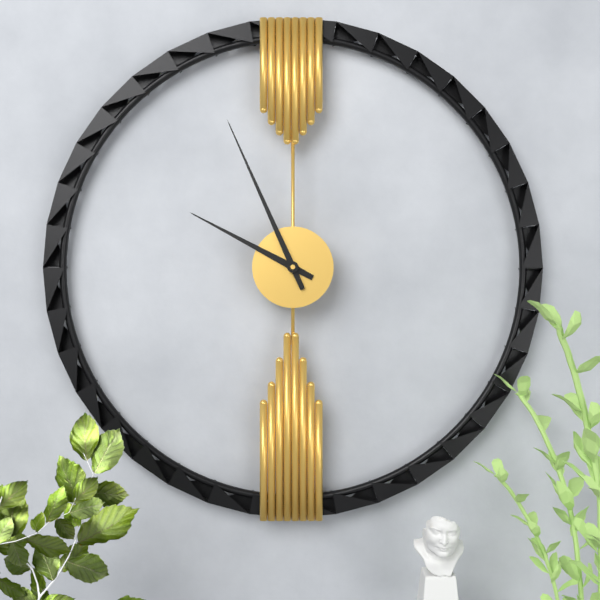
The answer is 9,56
